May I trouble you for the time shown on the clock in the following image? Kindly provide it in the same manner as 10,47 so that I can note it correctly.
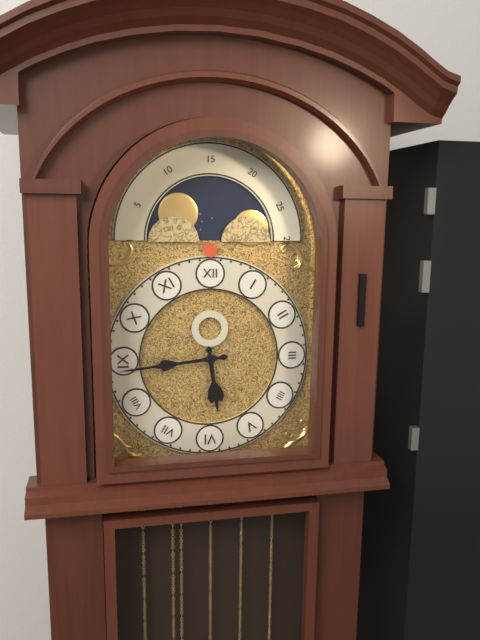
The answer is 5,44
